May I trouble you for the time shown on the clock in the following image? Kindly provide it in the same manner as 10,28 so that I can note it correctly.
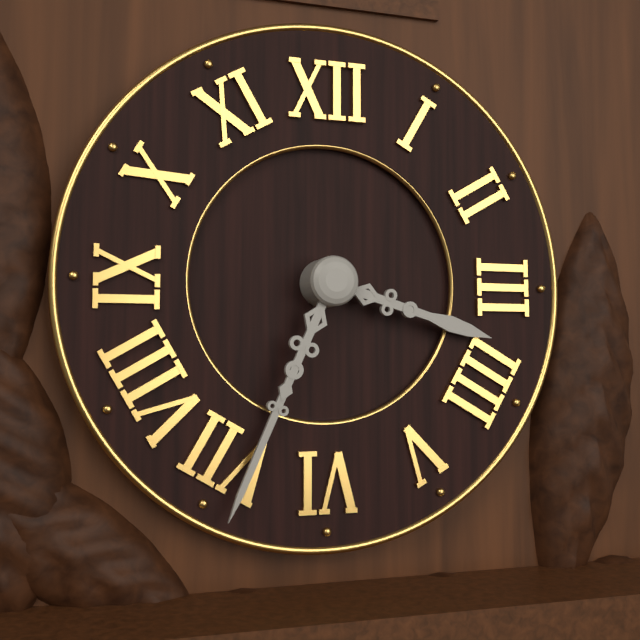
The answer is 3,34
